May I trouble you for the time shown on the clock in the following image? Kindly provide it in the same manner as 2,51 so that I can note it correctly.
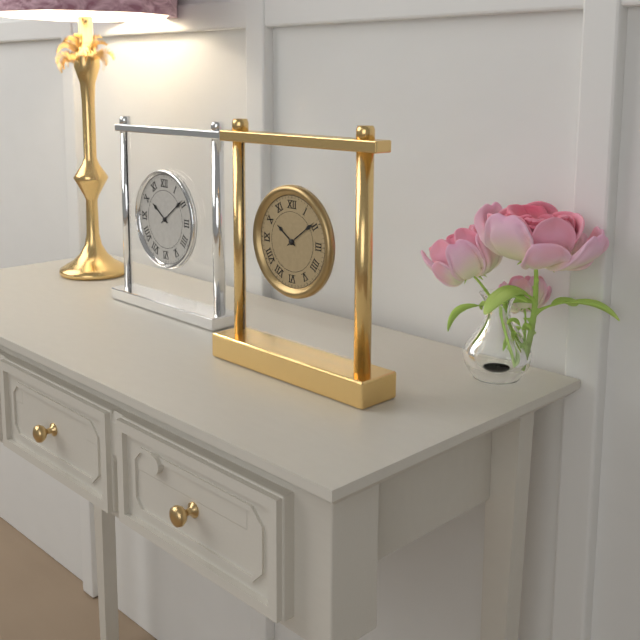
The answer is 10,09
